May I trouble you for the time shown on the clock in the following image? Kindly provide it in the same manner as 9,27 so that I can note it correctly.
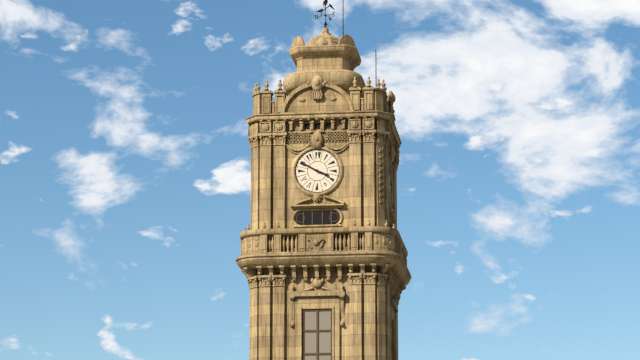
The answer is 3,50
